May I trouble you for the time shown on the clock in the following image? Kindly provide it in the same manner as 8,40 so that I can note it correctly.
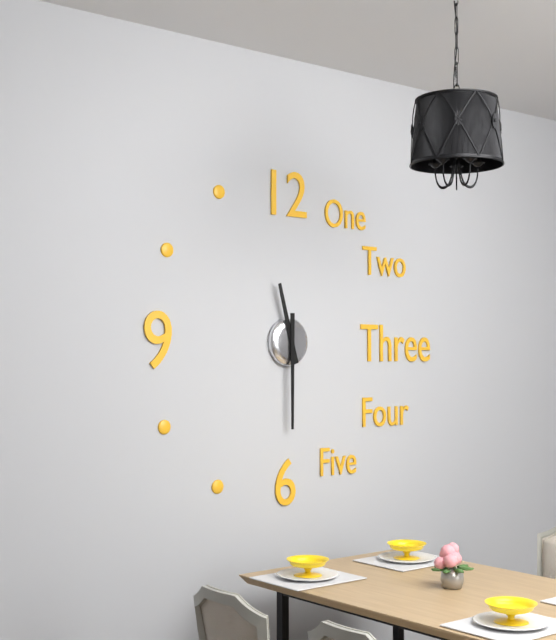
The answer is 11,30
